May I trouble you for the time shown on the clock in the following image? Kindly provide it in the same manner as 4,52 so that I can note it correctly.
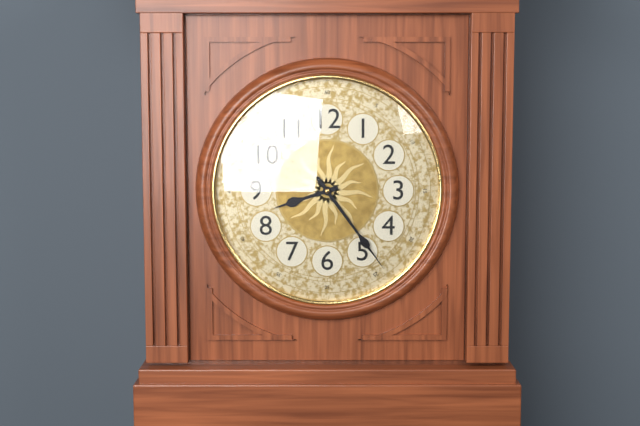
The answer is 8,24
